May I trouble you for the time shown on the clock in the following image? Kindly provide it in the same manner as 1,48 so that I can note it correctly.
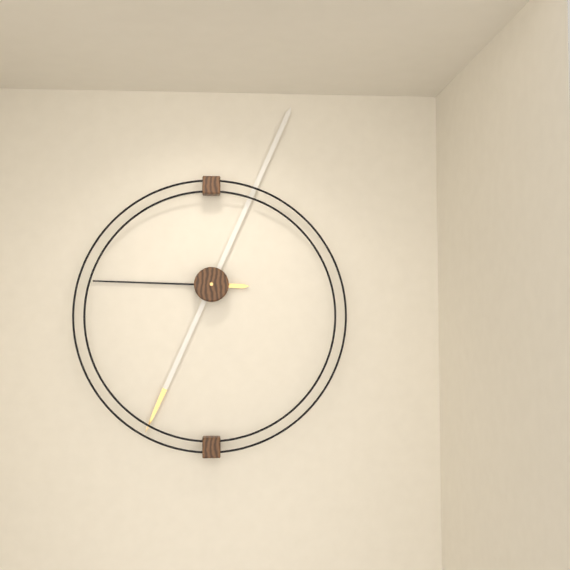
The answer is 9,04
